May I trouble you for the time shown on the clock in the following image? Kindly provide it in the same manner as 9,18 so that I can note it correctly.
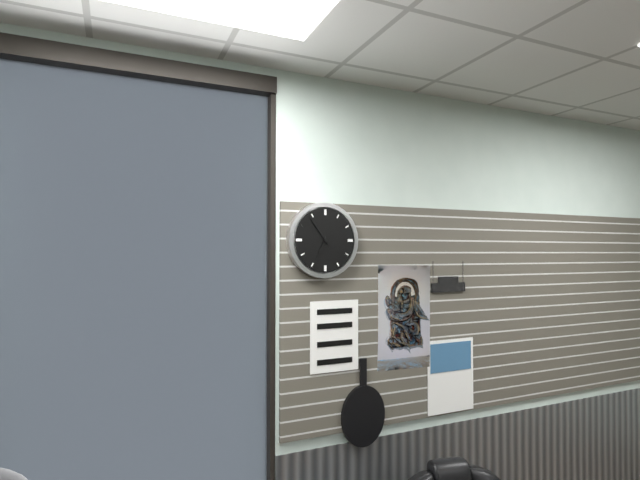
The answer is 6,54
